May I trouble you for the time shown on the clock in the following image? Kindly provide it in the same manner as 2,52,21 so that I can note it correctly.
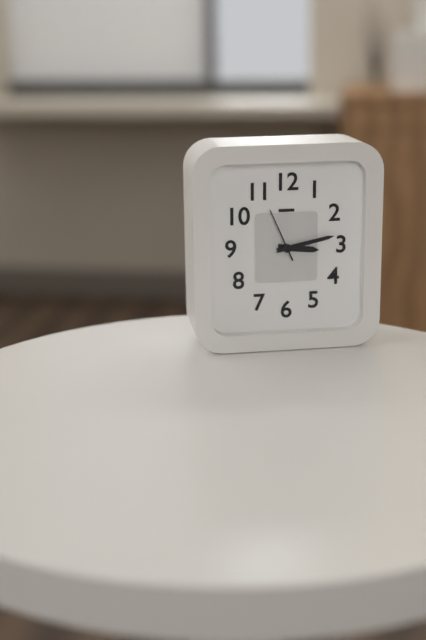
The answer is 3,13,56
